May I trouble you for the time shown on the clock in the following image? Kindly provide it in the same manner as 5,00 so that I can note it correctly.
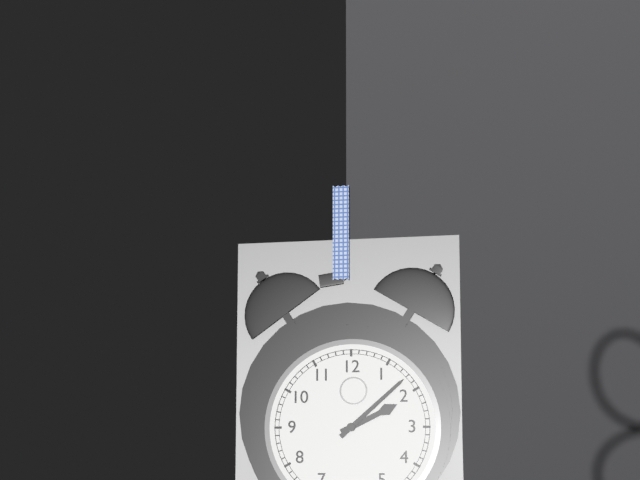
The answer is 2,08
